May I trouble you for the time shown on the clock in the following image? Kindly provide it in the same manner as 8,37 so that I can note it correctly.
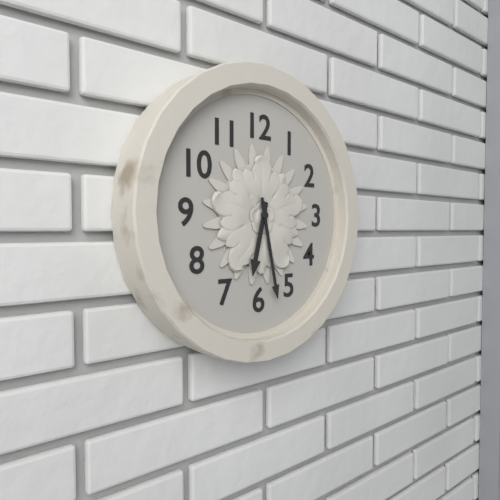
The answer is 6,28
